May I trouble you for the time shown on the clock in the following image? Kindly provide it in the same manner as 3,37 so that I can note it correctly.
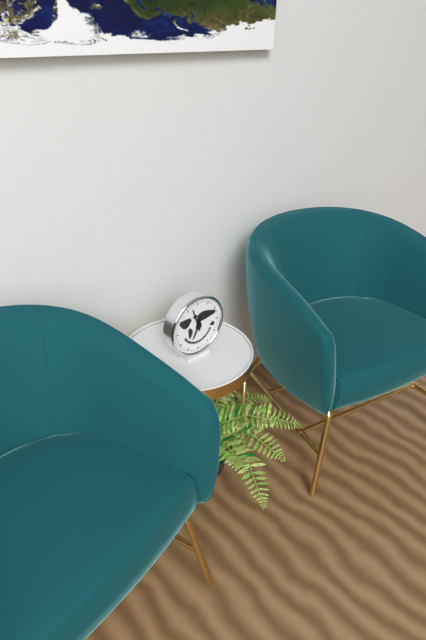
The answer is 6,57
